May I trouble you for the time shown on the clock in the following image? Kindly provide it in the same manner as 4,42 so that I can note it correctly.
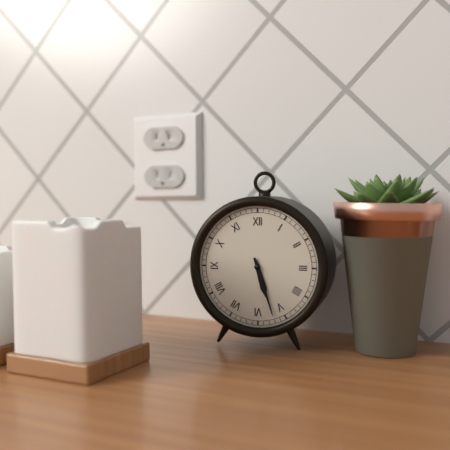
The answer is 5,27
